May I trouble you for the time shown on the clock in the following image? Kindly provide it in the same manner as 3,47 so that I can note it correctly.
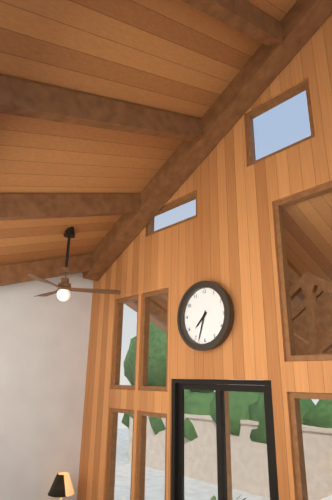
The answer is 7,33
